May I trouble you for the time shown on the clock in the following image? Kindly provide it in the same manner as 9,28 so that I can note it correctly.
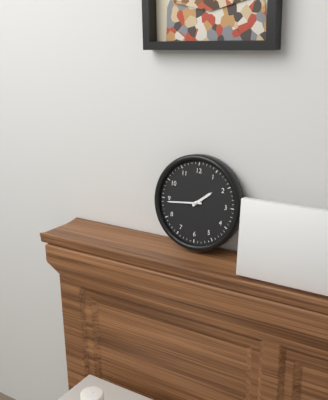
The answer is 1,44
